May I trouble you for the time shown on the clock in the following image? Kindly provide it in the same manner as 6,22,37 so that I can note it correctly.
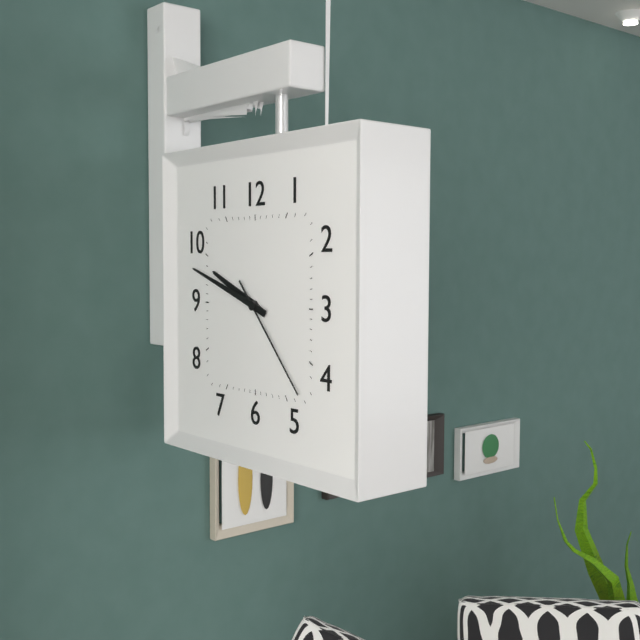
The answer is 9,48,23
